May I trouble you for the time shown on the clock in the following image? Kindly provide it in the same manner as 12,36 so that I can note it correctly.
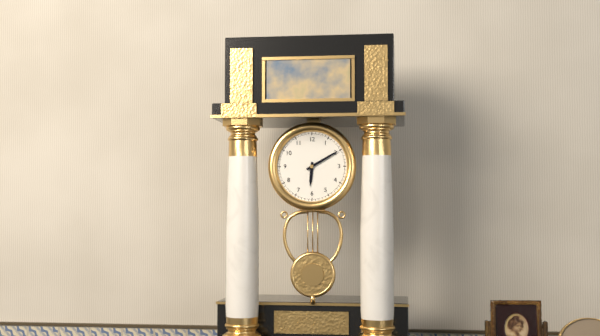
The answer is 6,10
